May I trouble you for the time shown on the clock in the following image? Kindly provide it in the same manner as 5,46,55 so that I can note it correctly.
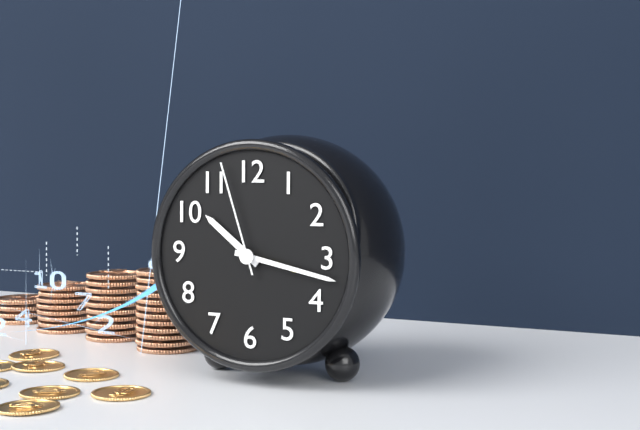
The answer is 10,17,57
